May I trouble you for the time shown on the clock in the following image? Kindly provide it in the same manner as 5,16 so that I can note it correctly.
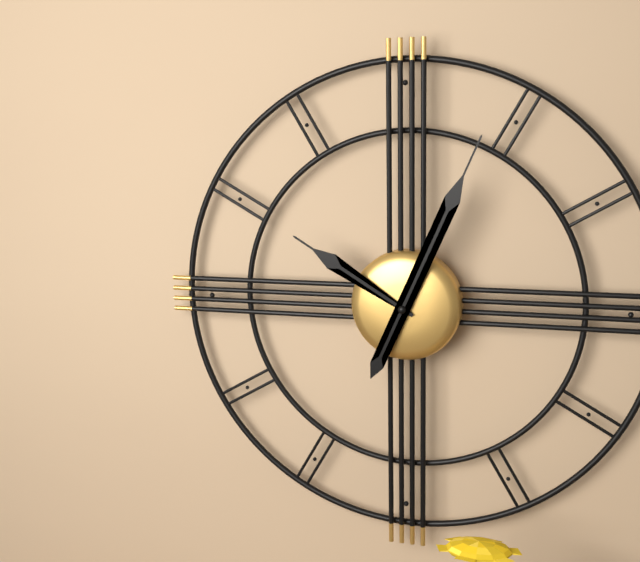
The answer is 10,04
